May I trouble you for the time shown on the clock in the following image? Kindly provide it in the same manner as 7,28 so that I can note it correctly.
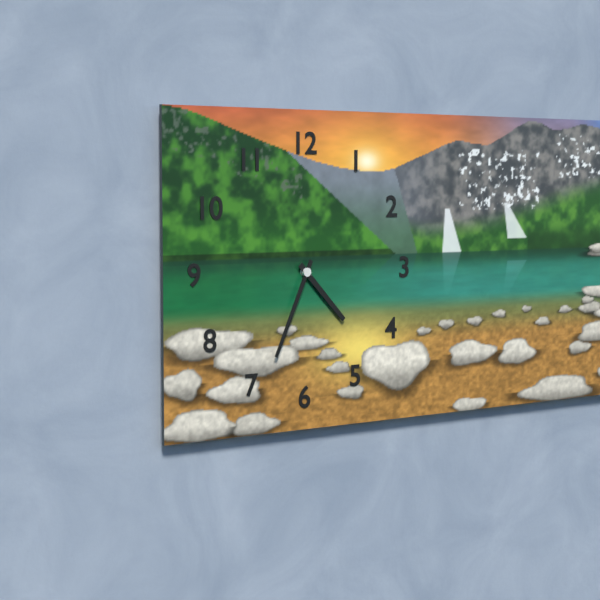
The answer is 4,34
